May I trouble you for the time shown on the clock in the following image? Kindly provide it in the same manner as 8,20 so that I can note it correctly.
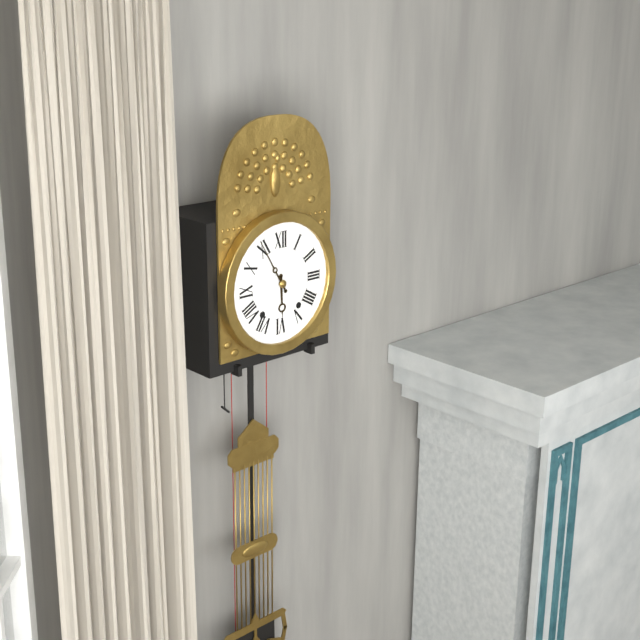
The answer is 5,55
